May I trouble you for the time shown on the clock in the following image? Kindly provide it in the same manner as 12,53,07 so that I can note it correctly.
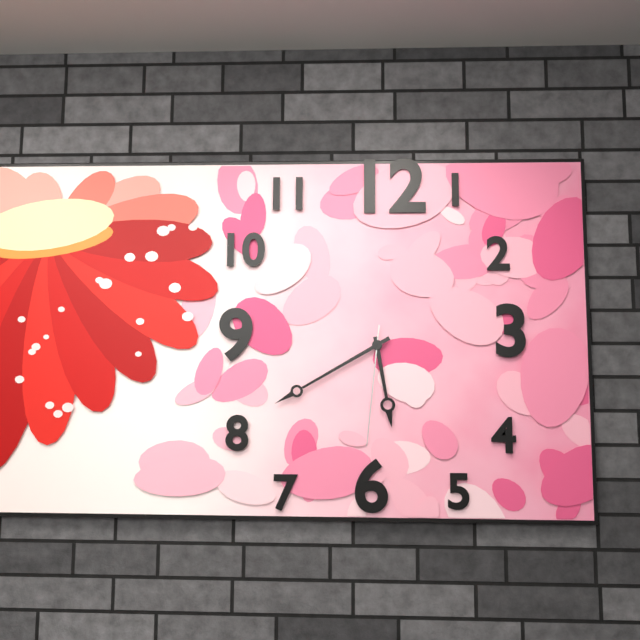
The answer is 5,40,31
